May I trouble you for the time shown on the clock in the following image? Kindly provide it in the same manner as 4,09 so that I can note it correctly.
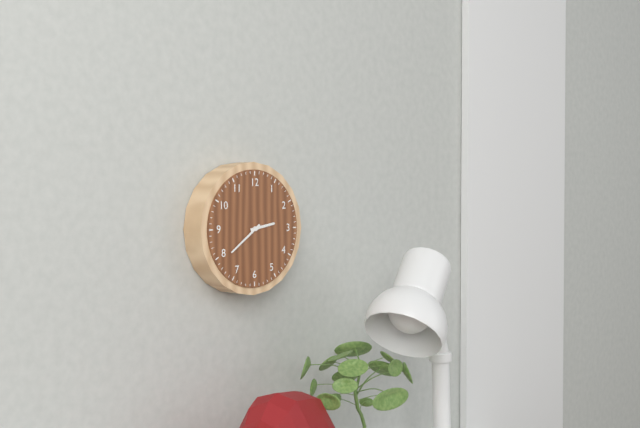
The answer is 2,39
